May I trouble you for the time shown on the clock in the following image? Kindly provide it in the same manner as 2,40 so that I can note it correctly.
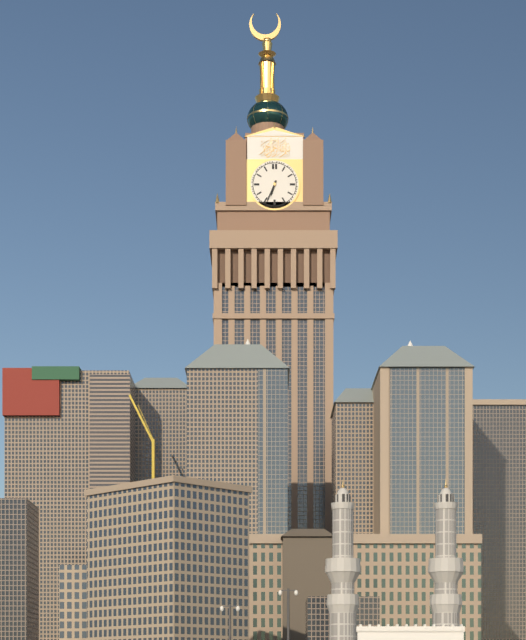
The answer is 6,34
